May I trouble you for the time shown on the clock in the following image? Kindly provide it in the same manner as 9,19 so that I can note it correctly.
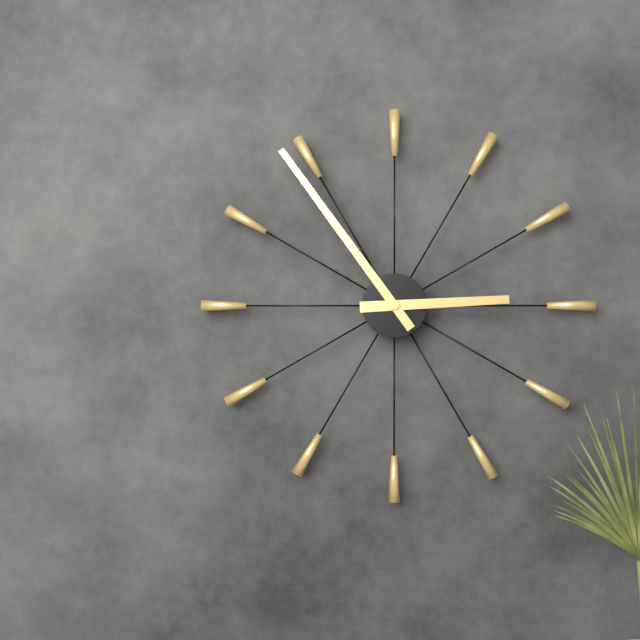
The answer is 2,54
